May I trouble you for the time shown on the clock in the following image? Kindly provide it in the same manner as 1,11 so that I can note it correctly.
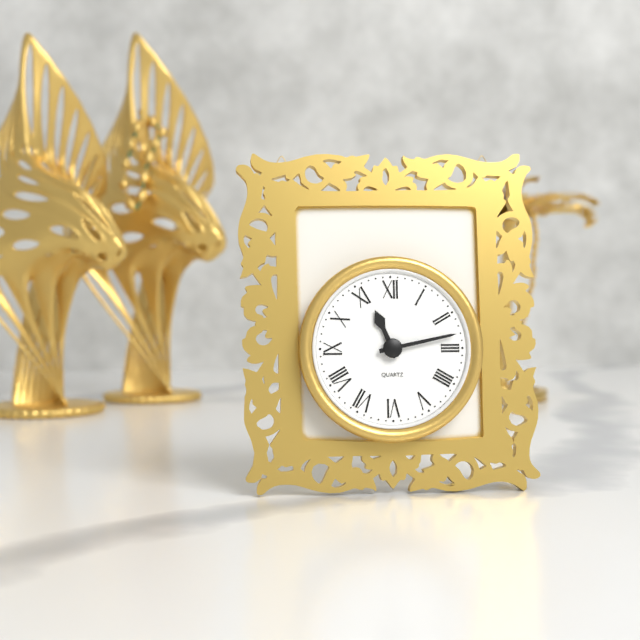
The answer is 11,13
